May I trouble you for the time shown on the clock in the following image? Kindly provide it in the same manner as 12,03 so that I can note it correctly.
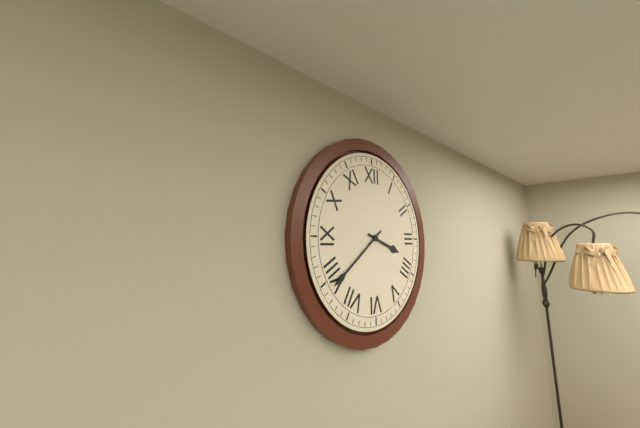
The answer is 3,39
